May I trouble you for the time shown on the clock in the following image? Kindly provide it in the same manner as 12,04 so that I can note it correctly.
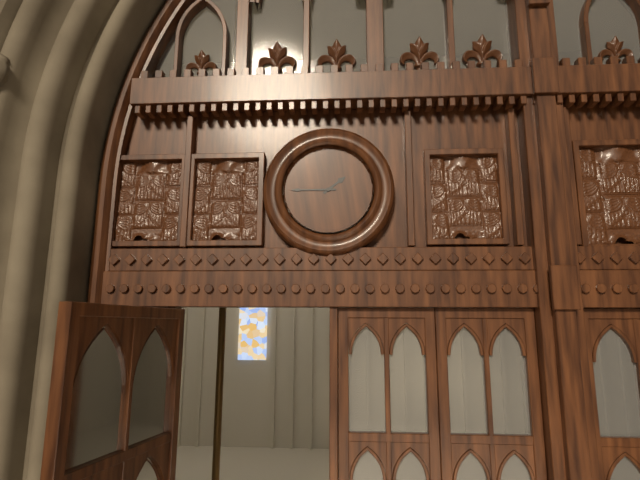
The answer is 1,45
